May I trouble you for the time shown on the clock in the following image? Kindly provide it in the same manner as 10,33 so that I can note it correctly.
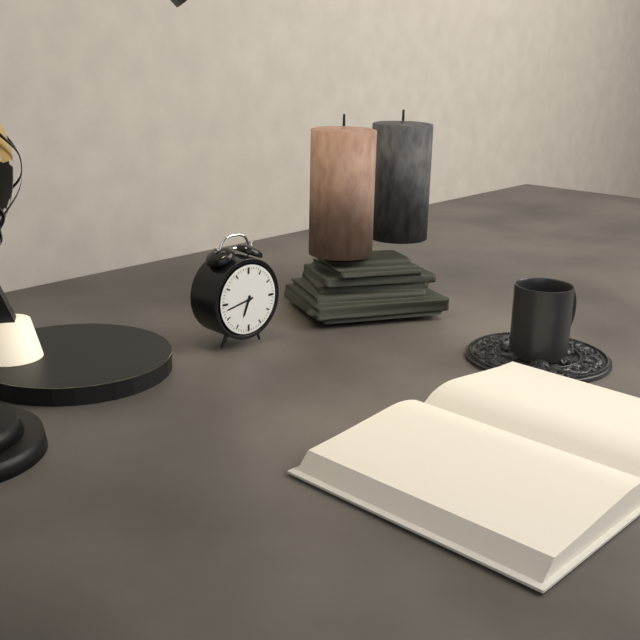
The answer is 6,43
